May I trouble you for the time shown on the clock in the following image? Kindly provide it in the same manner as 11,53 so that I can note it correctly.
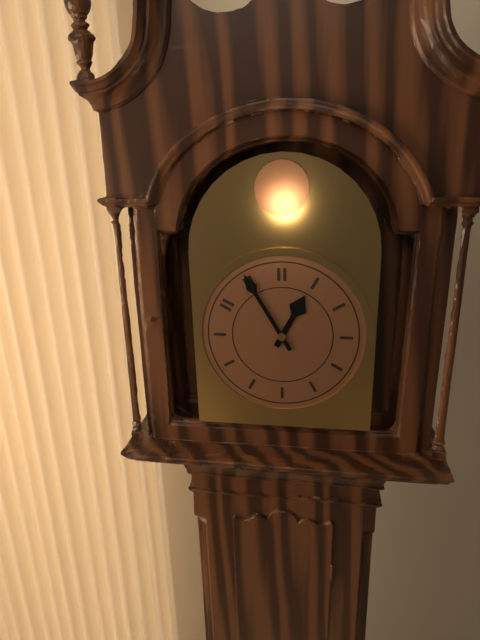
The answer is 12,55
